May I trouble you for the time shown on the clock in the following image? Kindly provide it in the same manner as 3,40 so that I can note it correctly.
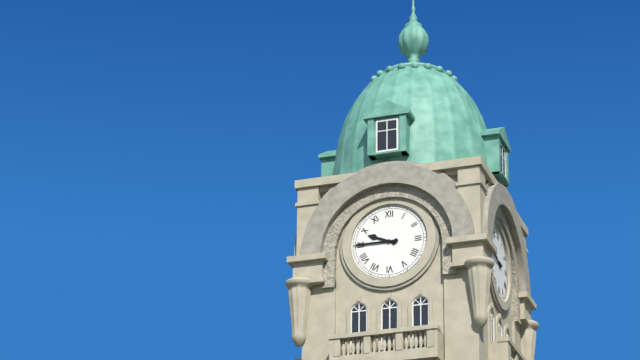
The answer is 9,45
